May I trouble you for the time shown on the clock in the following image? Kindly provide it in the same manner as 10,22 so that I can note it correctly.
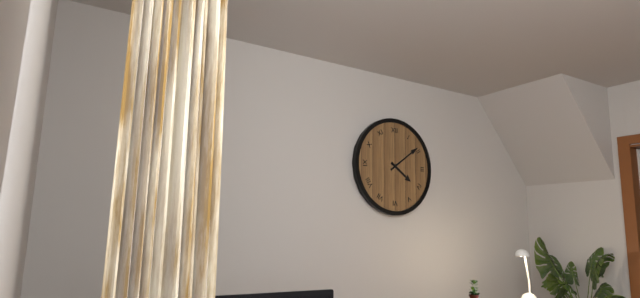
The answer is 4,09
